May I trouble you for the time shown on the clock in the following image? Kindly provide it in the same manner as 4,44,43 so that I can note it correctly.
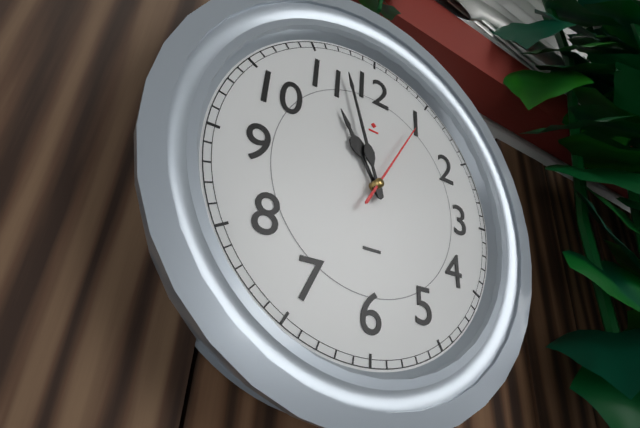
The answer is 10,57,05
